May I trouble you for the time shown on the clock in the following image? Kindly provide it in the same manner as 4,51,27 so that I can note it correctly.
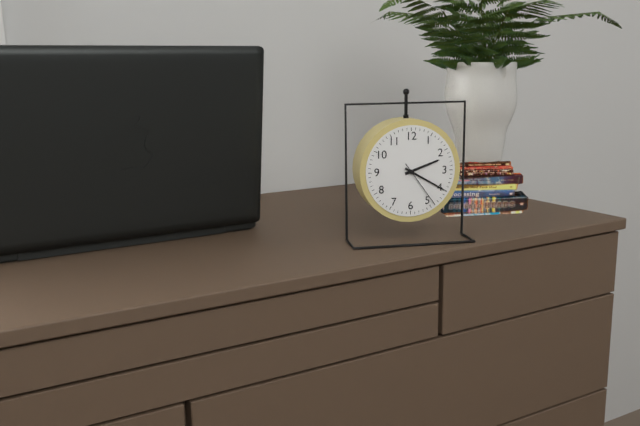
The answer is 2,20,24
